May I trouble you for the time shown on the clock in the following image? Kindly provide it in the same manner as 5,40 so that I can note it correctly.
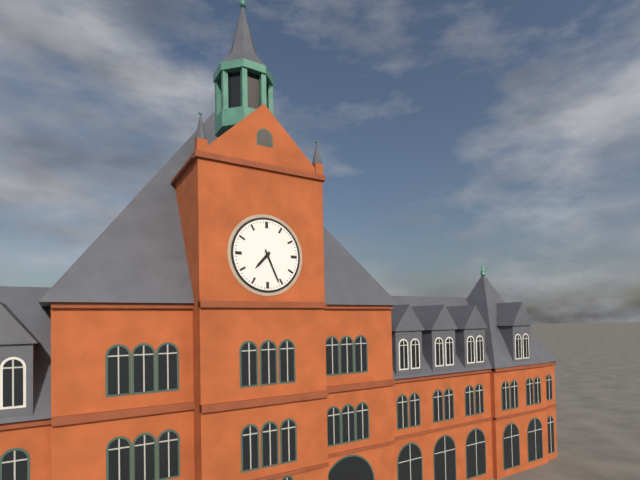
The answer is 7,26
